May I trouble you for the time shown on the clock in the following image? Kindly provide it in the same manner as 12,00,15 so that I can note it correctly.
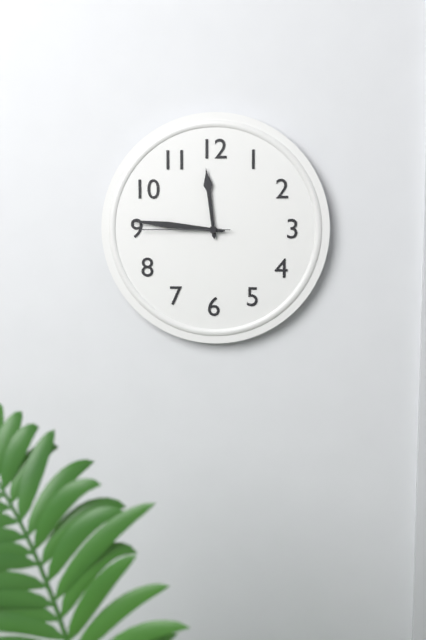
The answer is 11,46,45
